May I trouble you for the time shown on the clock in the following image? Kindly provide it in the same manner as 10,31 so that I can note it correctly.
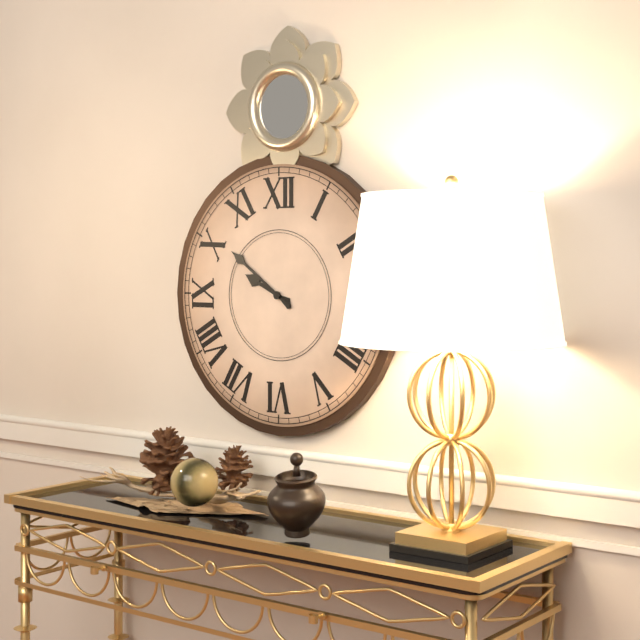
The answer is 9,51
